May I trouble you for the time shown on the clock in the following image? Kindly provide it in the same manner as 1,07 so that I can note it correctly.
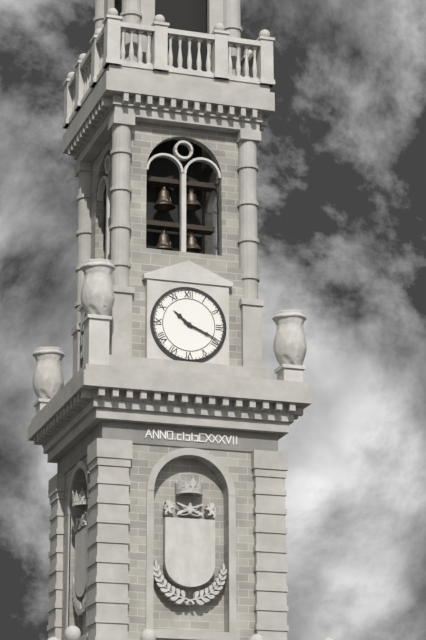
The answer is 10,19
